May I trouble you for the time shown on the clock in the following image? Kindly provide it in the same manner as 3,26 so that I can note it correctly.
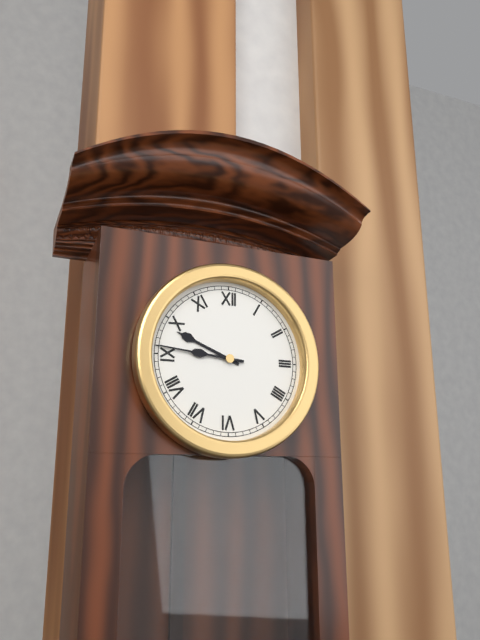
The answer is 9,46
